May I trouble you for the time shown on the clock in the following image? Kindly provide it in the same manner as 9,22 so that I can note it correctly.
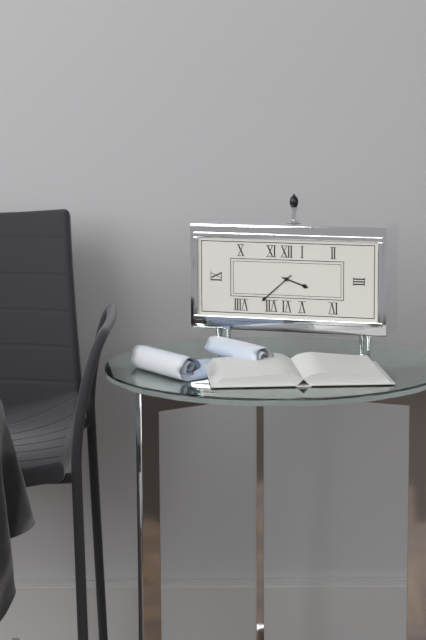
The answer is 3,38
